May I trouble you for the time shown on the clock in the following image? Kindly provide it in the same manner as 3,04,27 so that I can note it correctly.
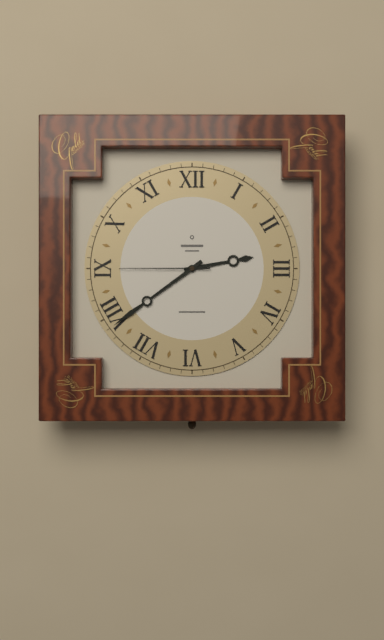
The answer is 2,39,45
